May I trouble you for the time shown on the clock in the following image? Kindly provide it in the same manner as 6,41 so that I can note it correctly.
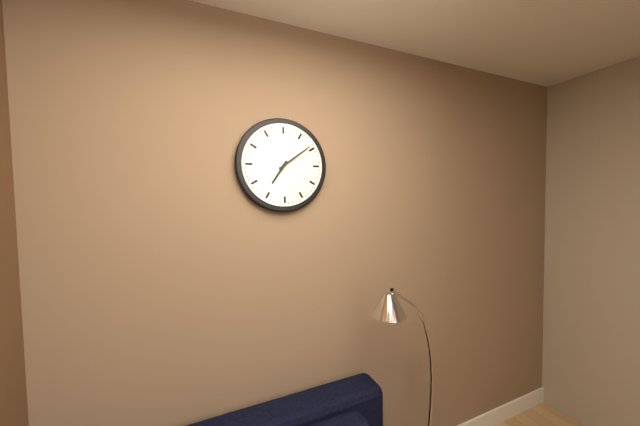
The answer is 7,09
